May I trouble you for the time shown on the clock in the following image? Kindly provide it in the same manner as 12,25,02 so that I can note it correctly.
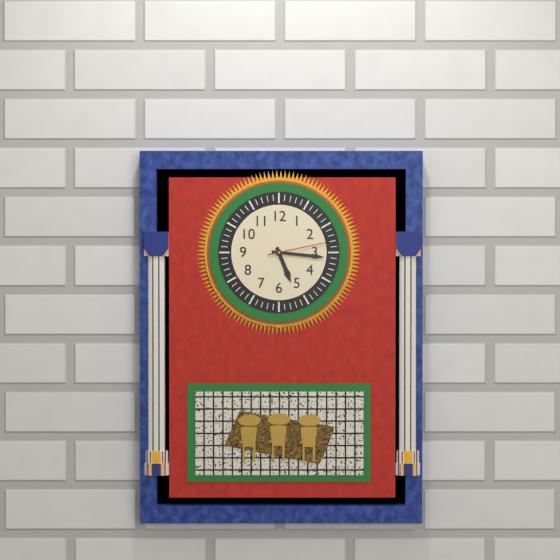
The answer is 5,16,13
